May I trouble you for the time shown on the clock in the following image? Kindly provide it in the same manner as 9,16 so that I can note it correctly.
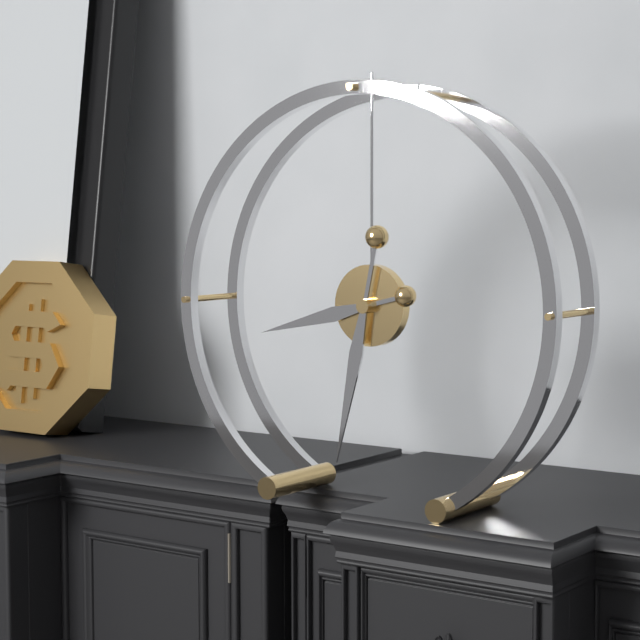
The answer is 8,32
